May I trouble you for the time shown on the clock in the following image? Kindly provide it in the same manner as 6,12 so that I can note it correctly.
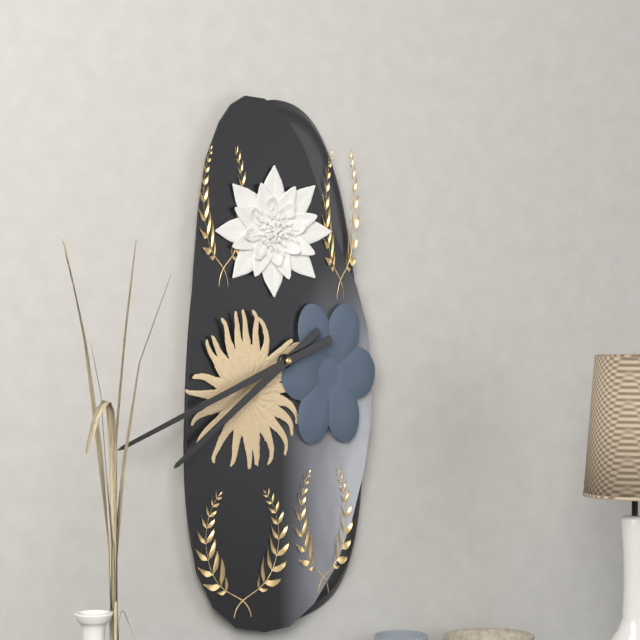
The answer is 7,41
